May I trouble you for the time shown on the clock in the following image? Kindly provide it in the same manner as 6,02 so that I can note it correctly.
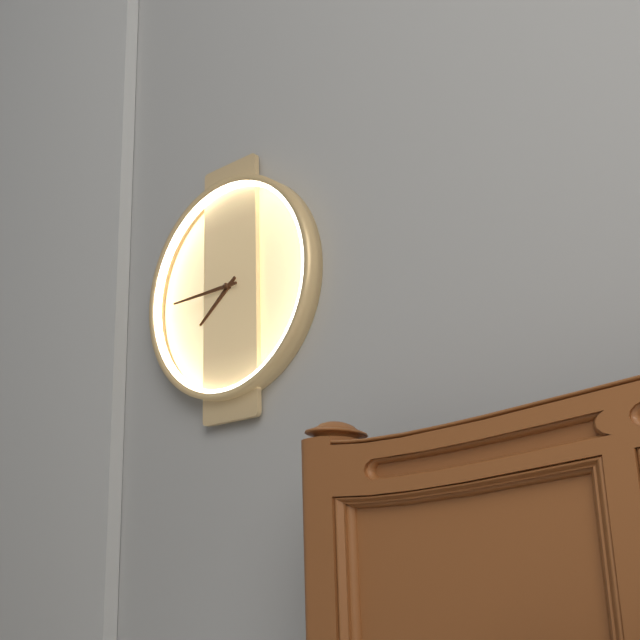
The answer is 7,45
